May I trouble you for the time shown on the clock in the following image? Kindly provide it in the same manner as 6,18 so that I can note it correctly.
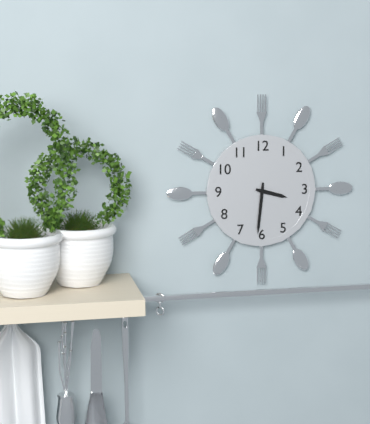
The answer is 3,31
